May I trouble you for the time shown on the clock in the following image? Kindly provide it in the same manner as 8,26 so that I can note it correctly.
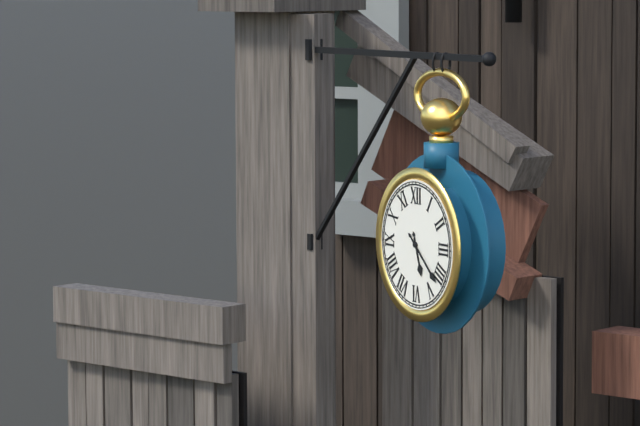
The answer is 5,22
